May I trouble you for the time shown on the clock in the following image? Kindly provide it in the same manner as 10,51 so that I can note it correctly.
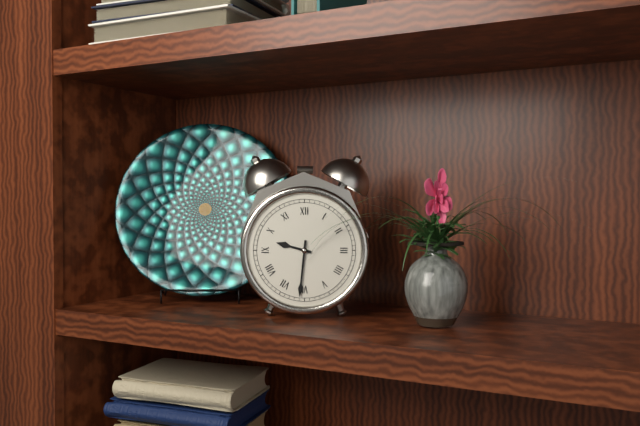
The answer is 9,31
